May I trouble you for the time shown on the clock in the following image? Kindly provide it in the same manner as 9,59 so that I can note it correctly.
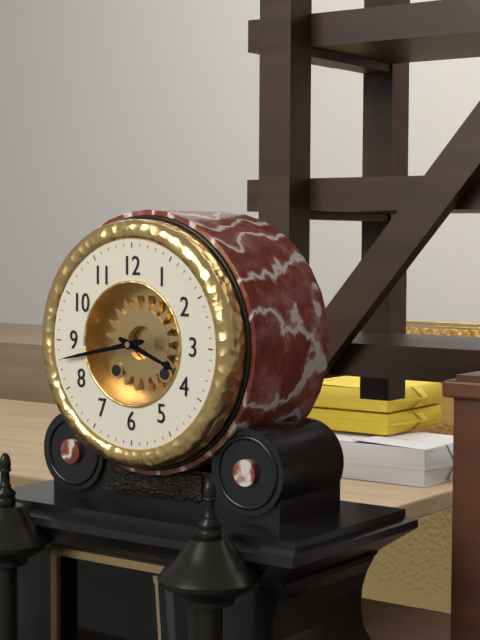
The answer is 3,43
